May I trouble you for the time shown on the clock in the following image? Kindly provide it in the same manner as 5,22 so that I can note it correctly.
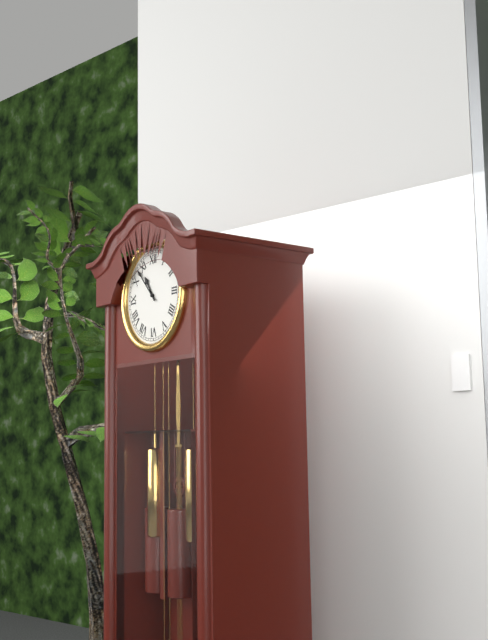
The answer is 10,53
